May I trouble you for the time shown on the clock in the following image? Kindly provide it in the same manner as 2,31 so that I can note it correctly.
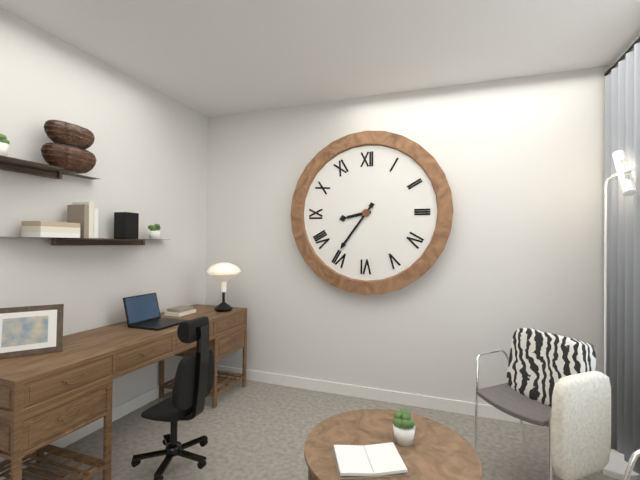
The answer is 8,36
